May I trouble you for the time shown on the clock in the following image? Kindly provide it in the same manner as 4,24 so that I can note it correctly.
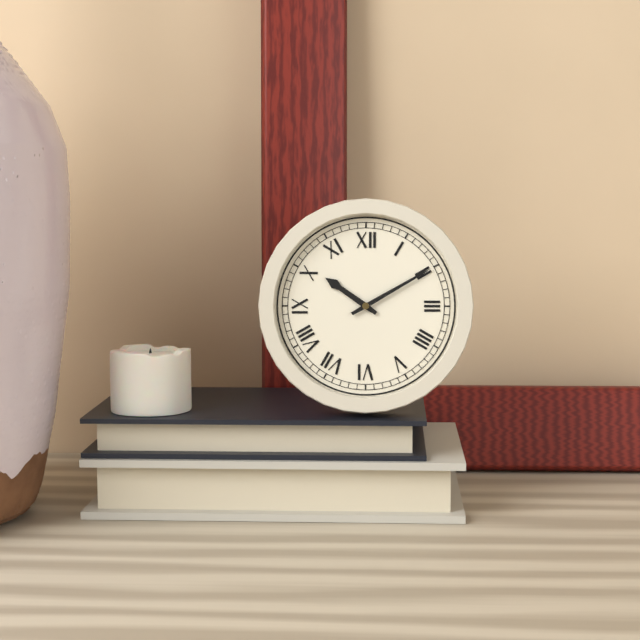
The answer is 10,10
